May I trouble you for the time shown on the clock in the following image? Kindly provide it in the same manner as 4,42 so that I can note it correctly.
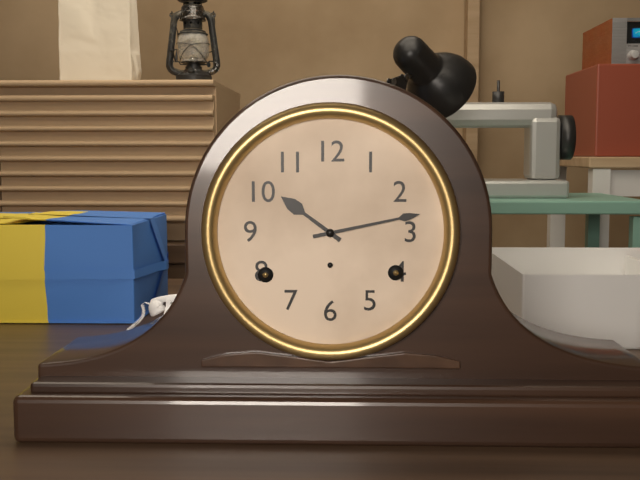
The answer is 10,13
